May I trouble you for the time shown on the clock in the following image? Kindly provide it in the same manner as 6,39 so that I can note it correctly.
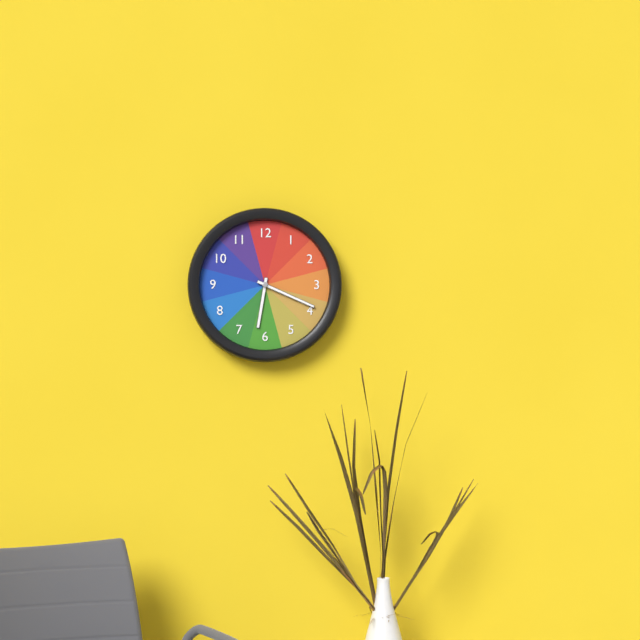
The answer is 6,19
